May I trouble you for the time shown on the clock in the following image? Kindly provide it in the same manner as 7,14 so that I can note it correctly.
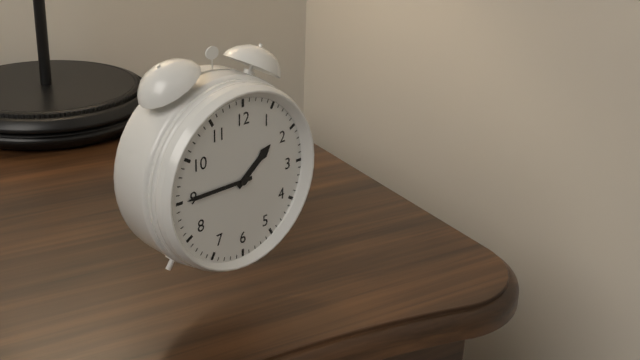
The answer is 1,45
